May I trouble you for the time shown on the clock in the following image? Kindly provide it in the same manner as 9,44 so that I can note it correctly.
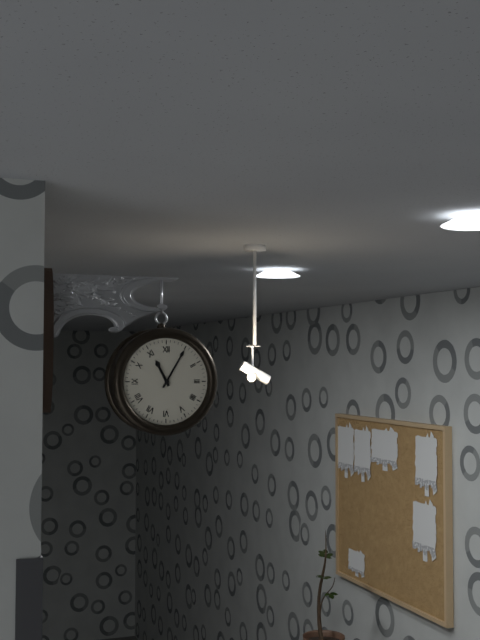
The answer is 11,05
